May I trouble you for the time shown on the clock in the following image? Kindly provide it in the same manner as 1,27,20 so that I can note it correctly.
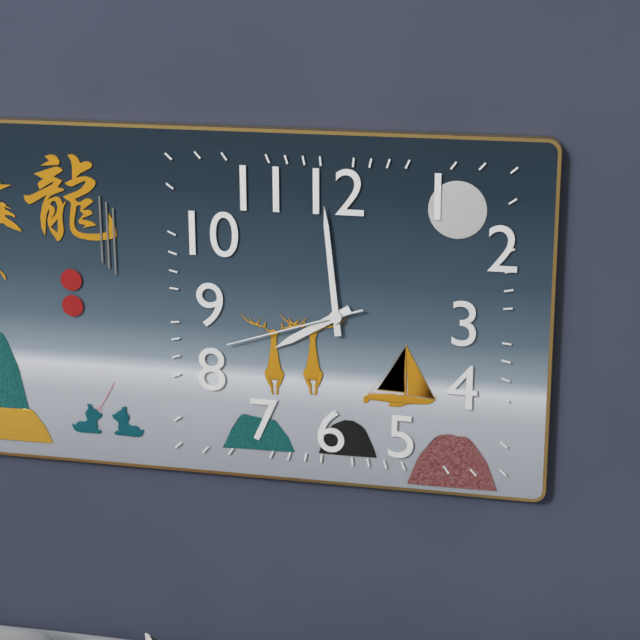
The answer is 7,59,42
